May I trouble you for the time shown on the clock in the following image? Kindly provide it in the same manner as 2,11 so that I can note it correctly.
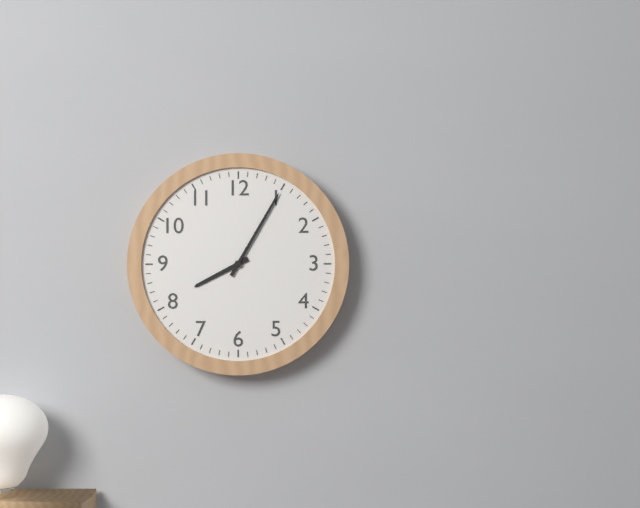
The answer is 8,05
